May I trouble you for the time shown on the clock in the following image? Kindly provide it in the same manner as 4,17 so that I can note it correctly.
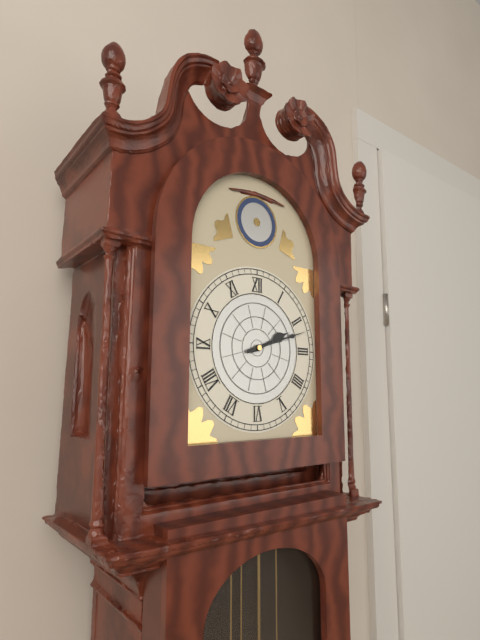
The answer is 2,12
